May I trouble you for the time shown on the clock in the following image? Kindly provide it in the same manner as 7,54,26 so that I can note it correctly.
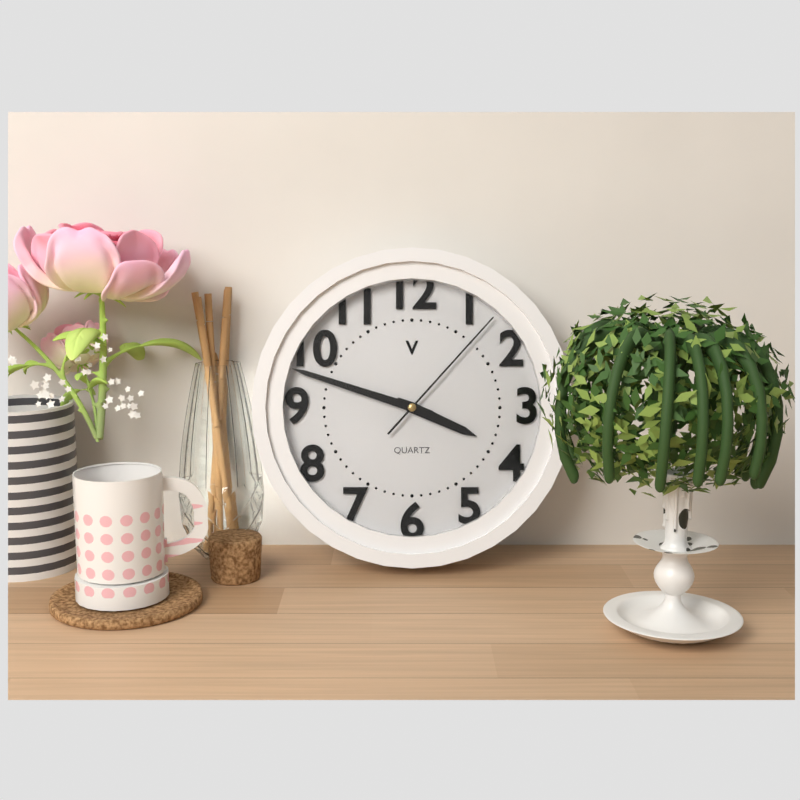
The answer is 3,48,07
